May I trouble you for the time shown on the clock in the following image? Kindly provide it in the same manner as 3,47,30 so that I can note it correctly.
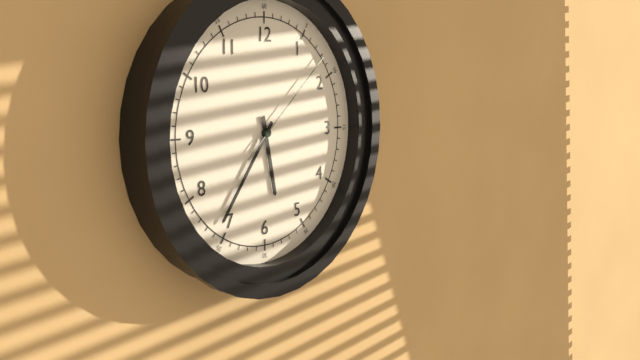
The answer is 5,36,08
